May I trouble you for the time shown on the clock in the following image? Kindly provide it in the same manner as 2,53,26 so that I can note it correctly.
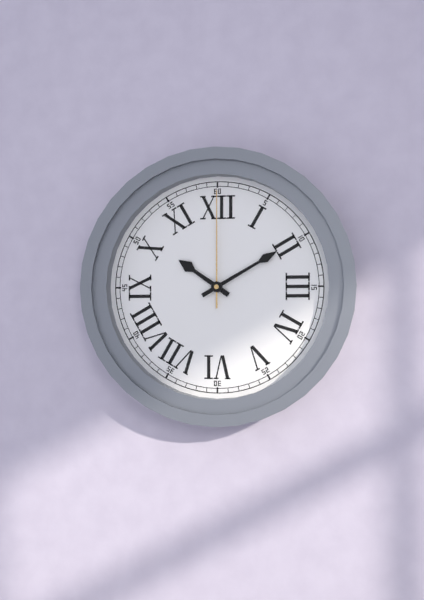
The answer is 10,10,00
